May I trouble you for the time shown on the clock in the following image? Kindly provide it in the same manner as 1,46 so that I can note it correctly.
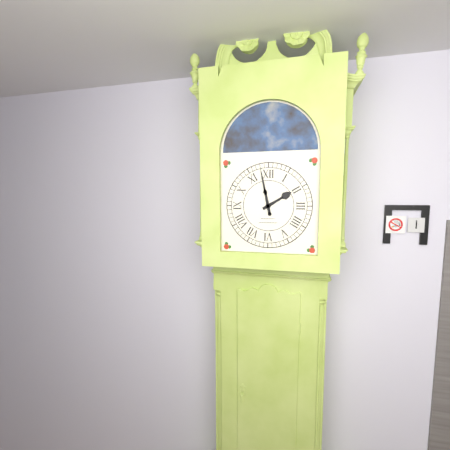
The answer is 1,58
